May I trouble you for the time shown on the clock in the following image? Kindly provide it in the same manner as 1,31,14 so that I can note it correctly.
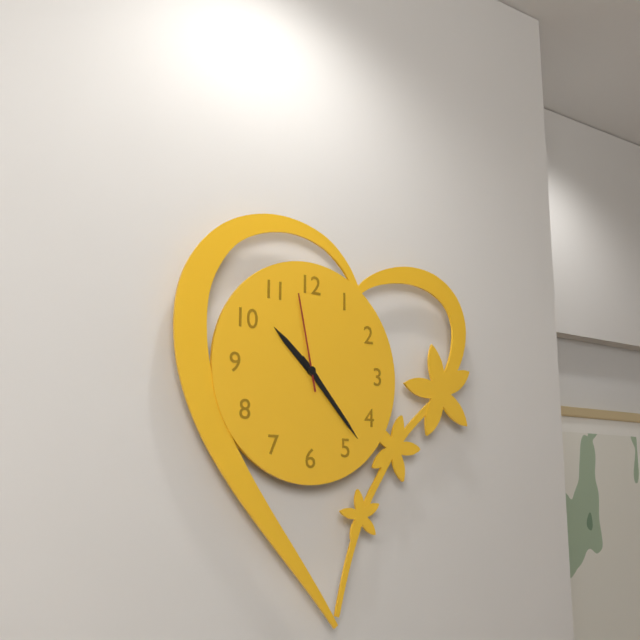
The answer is 10,23,58
